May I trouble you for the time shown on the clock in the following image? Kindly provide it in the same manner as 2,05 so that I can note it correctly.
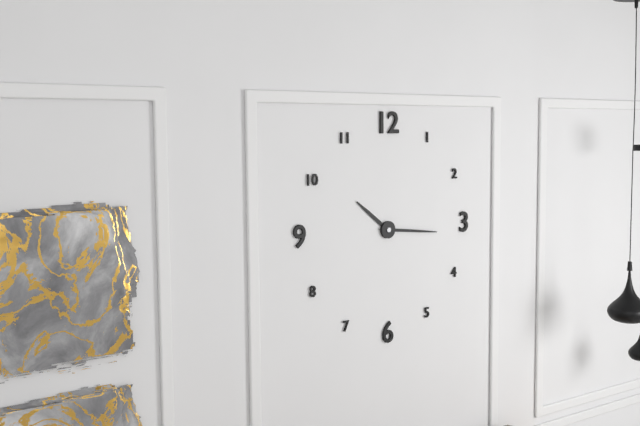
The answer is 10,16
